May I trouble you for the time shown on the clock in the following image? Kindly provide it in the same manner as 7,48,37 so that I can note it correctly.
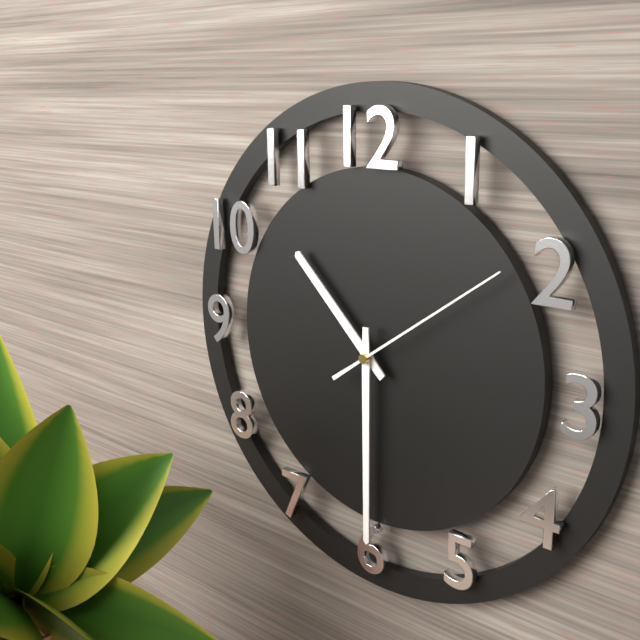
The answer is 10,30,09
